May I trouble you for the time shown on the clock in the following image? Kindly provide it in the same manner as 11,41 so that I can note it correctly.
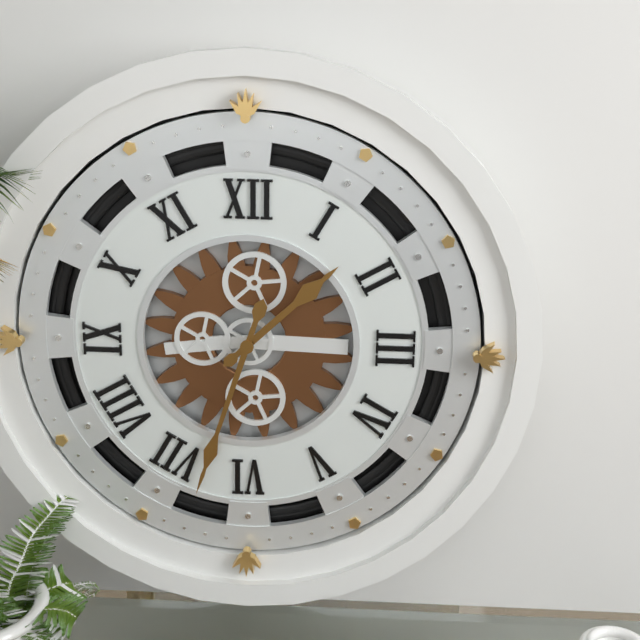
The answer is 1,33
